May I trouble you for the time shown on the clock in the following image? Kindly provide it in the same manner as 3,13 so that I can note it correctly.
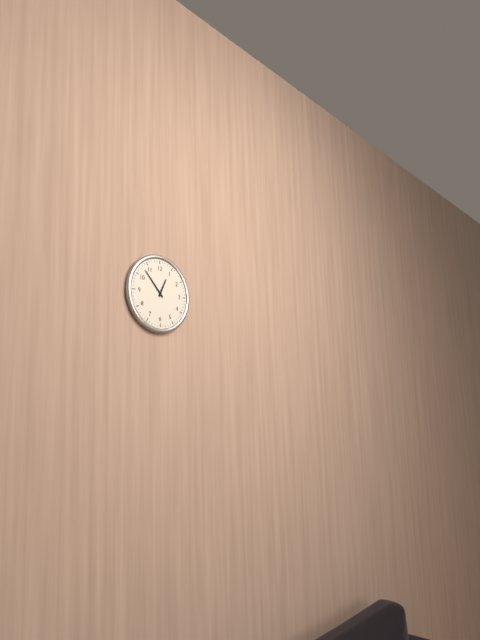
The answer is 12,53
